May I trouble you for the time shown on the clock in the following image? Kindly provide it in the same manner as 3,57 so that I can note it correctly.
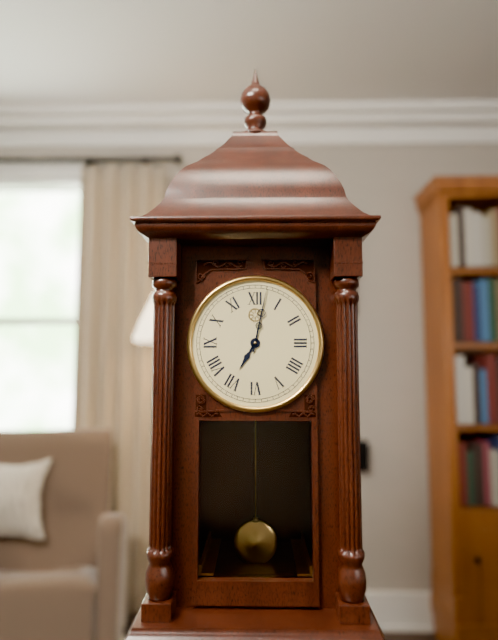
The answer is 7,02
